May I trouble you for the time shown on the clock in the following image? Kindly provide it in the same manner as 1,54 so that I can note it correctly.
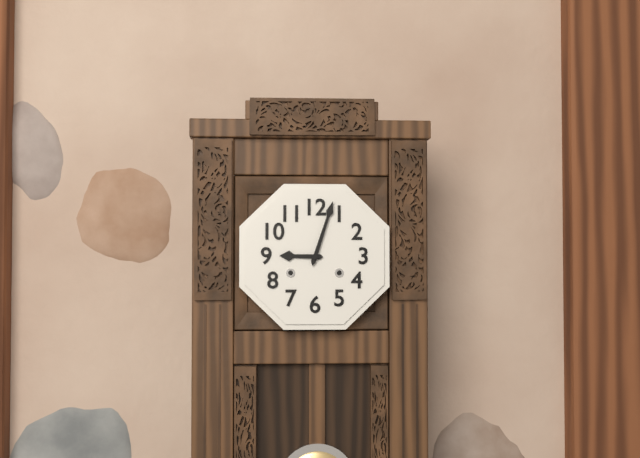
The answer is 9,03
